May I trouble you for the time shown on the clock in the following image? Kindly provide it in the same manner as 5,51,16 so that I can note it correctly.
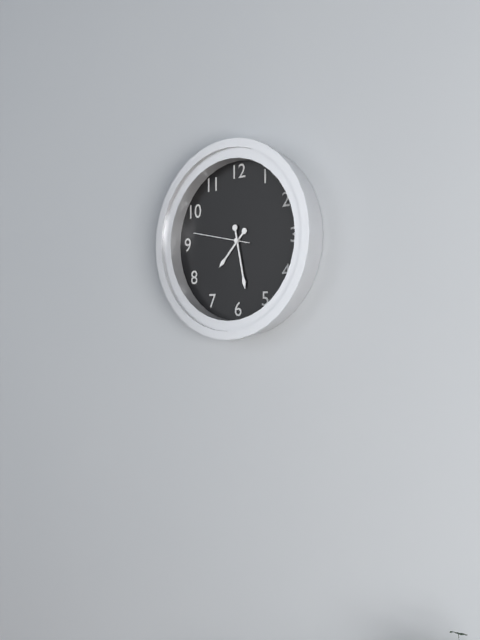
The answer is 7,28,47
